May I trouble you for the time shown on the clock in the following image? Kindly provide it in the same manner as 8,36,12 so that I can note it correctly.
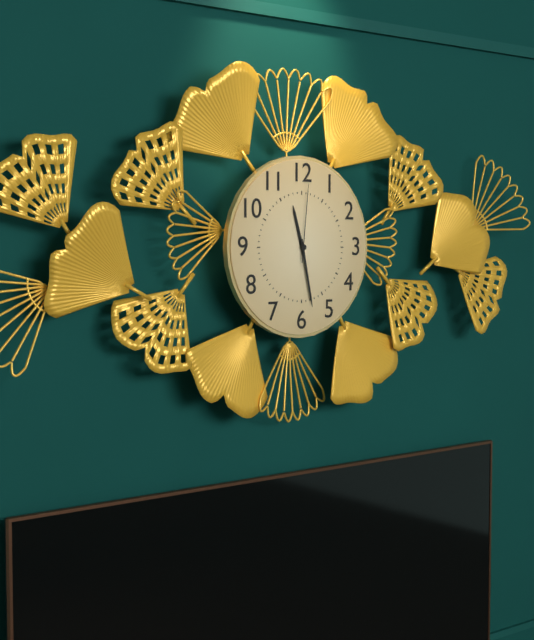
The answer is 11,28,01
